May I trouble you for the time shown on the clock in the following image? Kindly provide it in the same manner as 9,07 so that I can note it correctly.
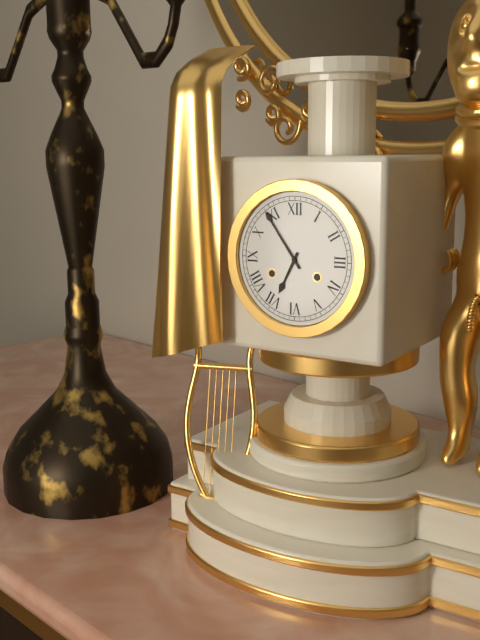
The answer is 6,54
